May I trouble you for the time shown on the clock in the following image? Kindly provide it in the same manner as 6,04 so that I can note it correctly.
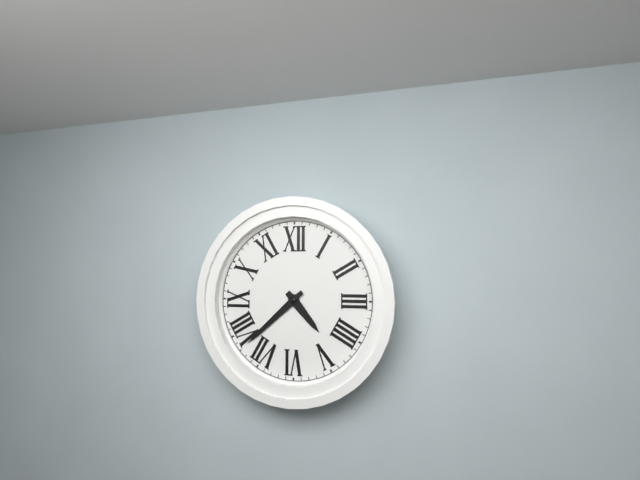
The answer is 4,38
